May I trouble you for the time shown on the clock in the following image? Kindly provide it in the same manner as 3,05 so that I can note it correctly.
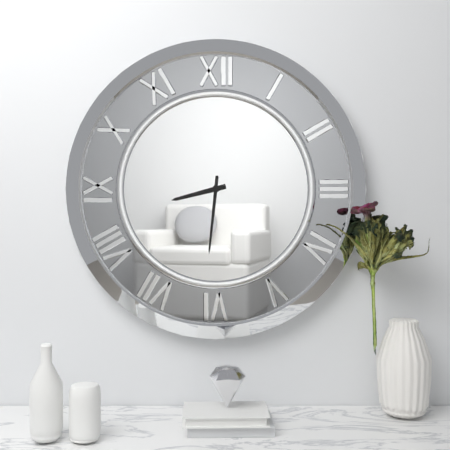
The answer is 8,31
